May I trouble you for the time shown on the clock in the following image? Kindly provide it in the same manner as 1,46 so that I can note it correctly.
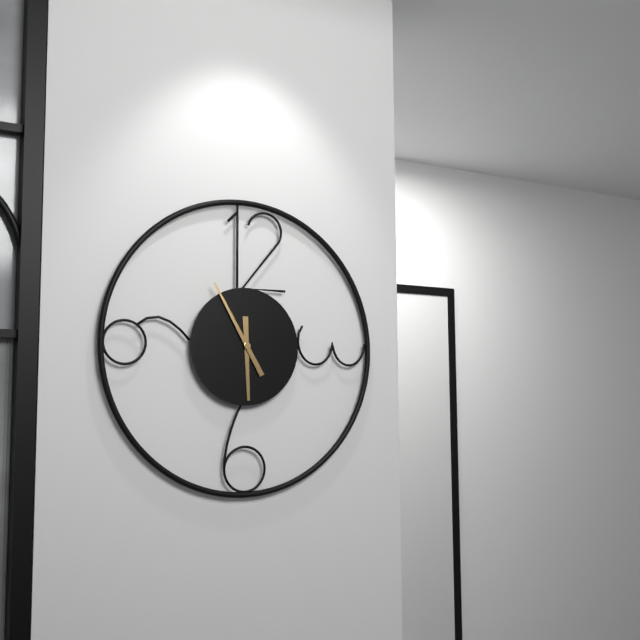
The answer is 5,55
